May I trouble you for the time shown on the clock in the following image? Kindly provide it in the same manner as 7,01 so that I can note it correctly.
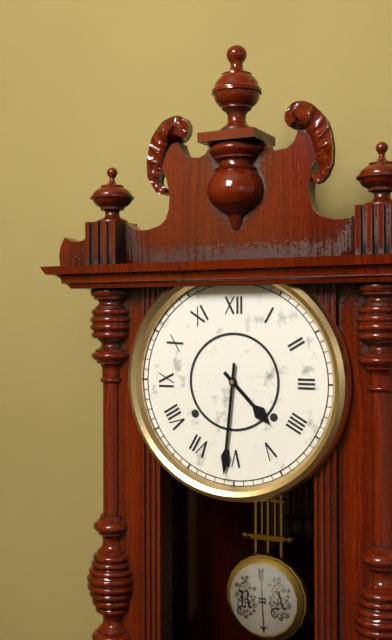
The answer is 4,31
